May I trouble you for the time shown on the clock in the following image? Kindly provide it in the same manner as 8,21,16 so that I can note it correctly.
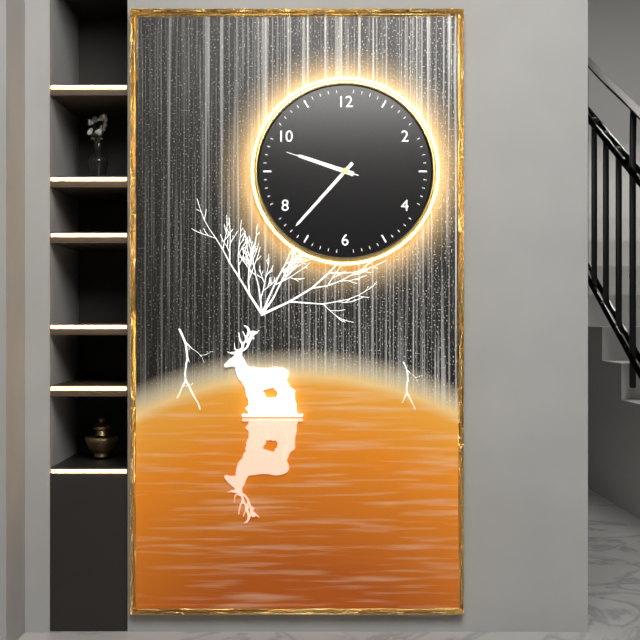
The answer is 9,37,48
